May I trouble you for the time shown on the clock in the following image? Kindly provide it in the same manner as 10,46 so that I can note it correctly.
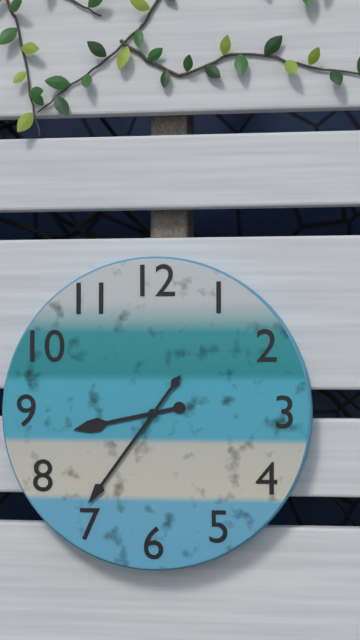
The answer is 8,36
